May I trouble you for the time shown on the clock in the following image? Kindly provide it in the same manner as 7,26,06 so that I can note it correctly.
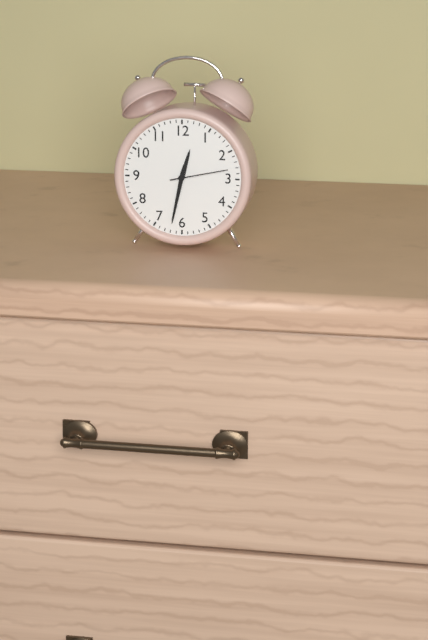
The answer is 12,32,13
